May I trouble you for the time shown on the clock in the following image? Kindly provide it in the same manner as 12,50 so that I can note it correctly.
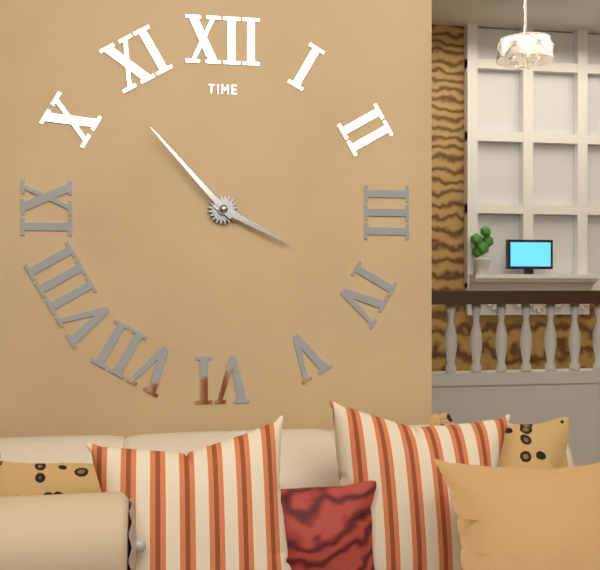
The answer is 3,53
